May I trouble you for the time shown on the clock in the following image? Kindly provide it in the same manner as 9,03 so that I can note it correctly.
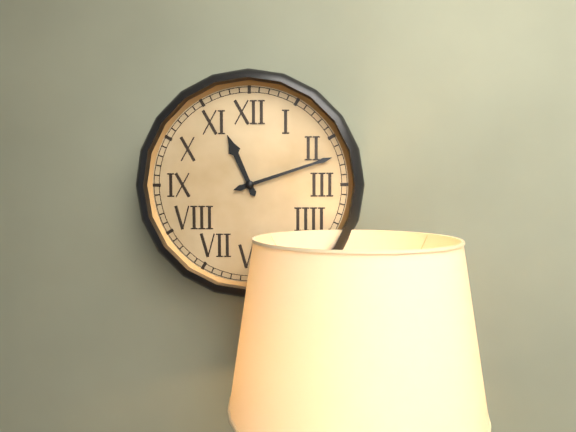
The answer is 11,12
